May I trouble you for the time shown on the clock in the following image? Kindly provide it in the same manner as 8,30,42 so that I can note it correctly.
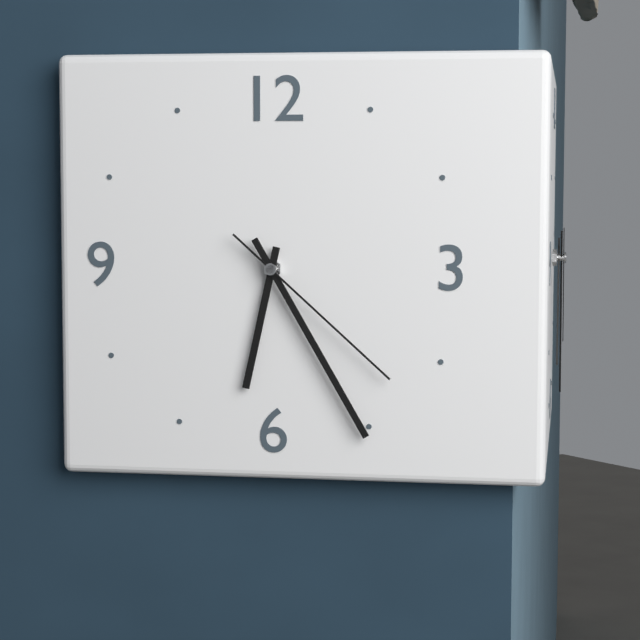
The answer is 6,25,22
